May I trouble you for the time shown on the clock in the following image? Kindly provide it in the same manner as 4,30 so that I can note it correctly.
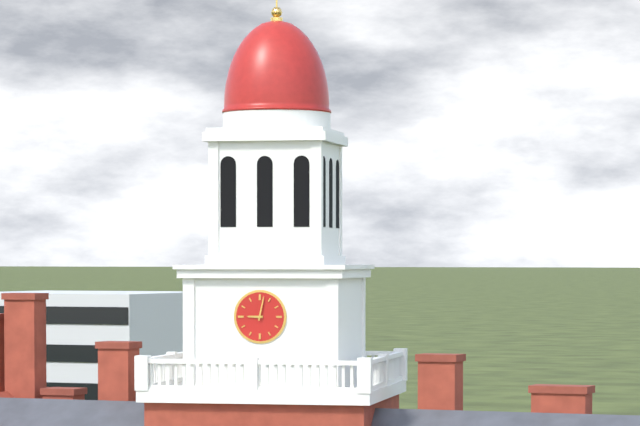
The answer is 9,02
